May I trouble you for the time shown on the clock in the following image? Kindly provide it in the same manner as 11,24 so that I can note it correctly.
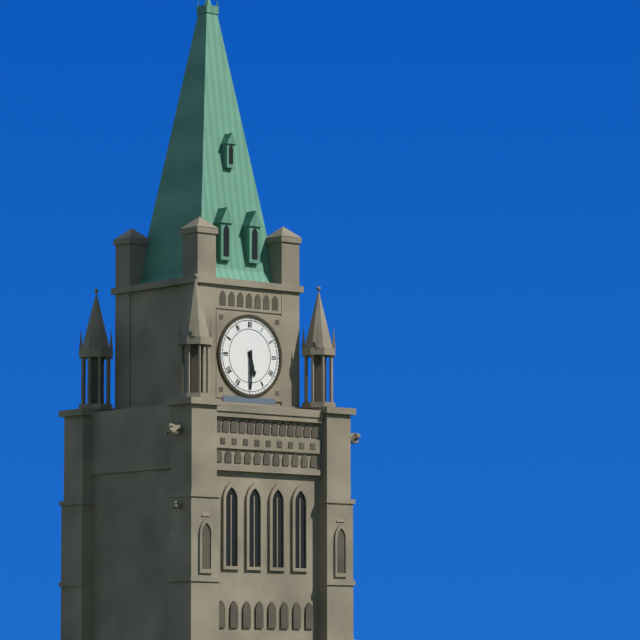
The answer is 5,30
